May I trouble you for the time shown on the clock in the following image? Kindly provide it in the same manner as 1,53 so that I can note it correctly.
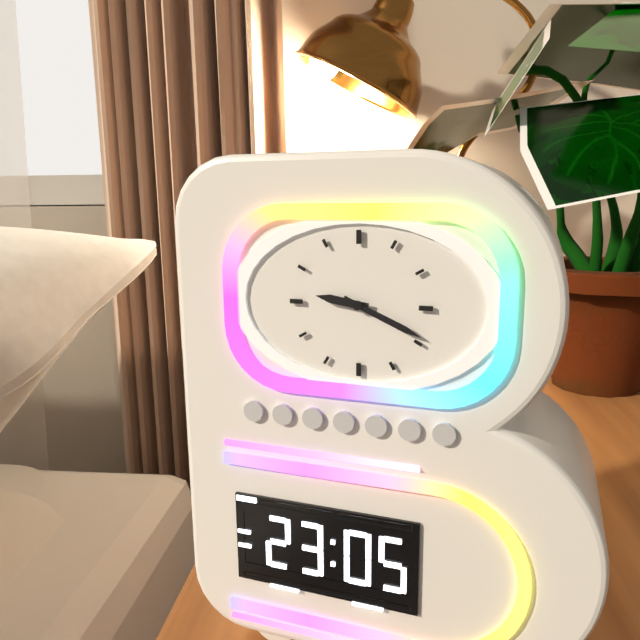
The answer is 9,19
